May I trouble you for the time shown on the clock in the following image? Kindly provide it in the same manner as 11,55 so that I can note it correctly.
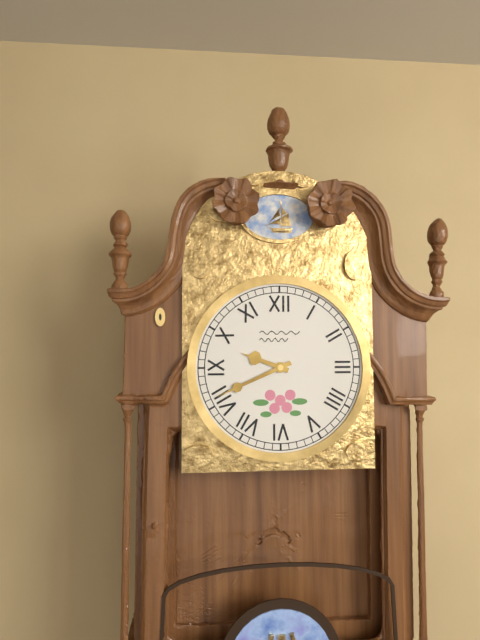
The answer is 9,41
